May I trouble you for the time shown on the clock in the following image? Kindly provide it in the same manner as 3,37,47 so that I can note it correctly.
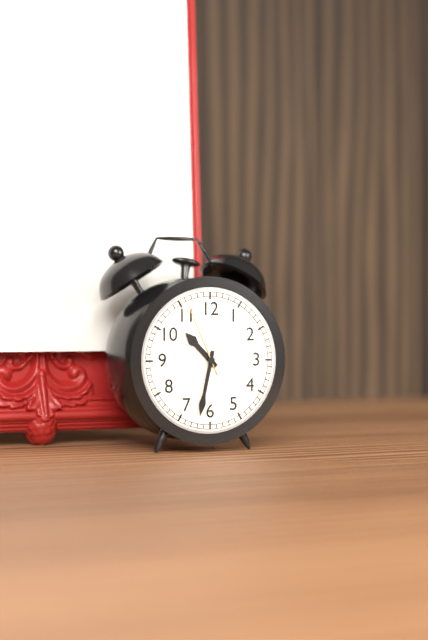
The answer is 10,32,56
